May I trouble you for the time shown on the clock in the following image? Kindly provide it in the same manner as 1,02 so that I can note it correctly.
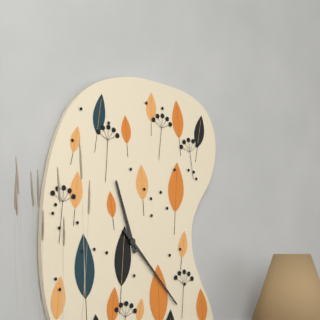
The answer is 11,23
